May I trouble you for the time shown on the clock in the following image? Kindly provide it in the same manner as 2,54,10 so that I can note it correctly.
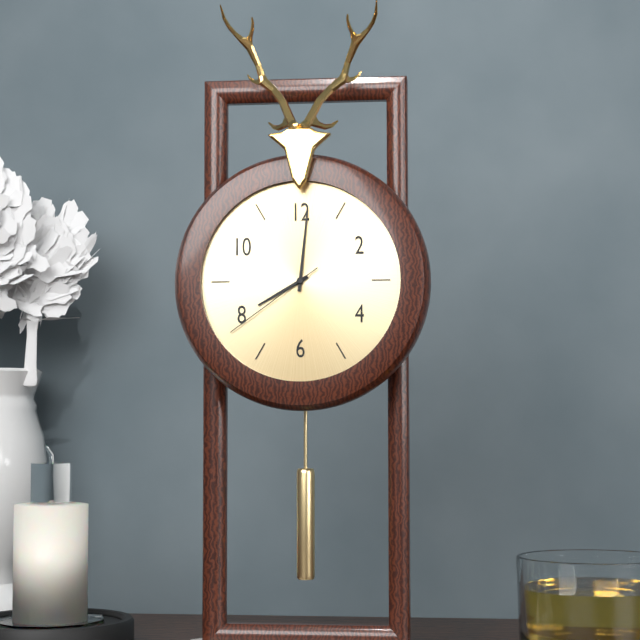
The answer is 8,01,39
